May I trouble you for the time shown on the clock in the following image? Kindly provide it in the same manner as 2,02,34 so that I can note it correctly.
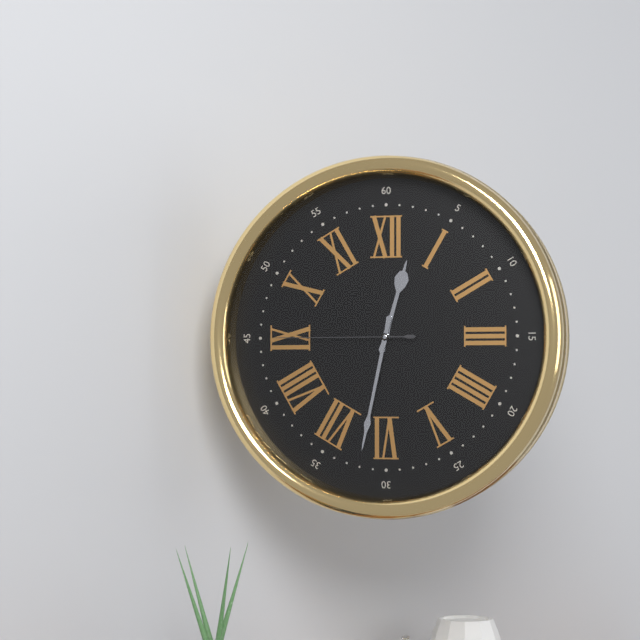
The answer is 12,32,45
